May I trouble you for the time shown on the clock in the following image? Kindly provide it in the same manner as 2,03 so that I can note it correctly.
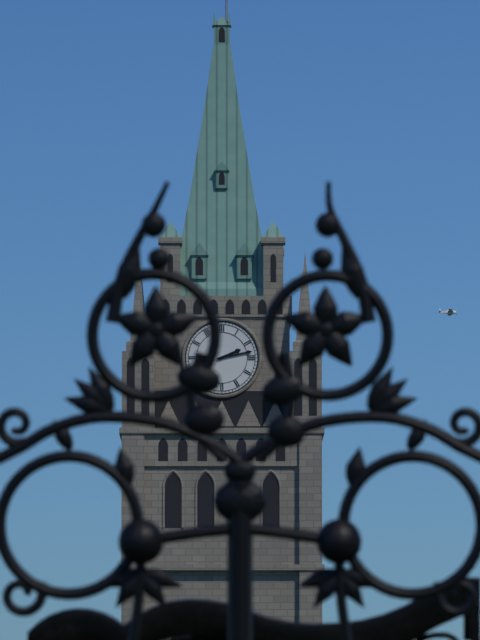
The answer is 2,13
